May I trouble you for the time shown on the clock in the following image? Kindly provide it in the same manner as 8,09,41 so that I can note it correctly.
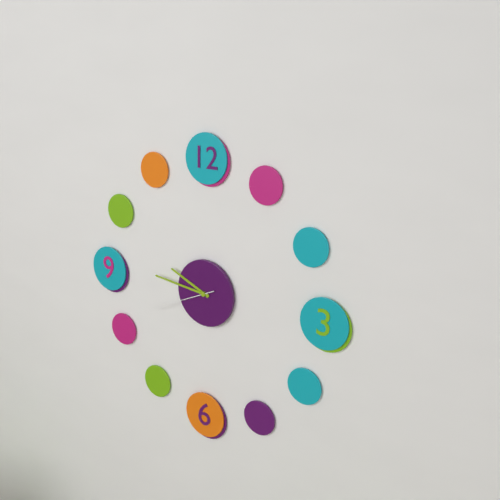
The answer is 9,46,41
